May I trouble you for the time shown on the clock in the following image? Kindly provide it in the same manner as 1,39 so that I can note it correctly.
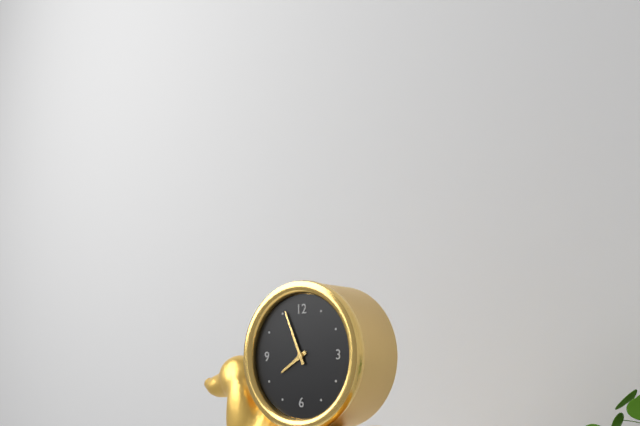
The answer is 7,56
